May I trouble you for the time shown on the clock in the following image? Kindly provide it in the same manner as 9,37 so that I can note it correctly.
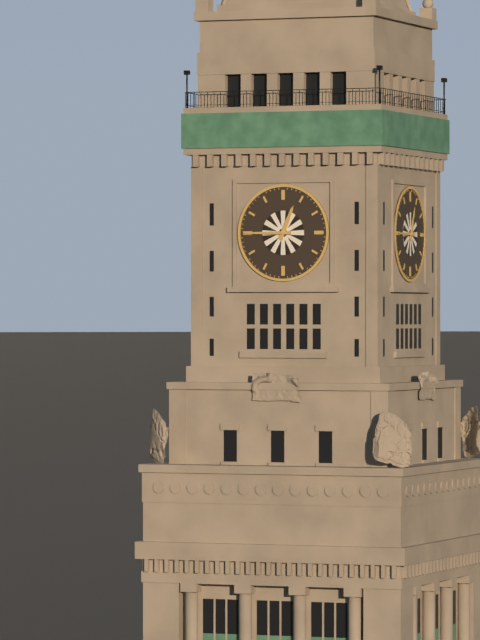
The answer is 12,45
